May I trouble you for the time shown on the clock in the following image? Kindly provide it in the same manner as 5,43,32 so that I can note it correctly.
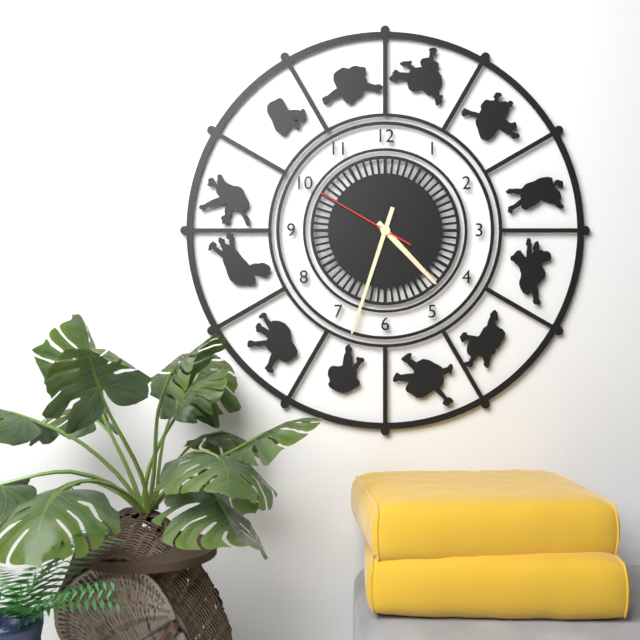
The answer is 4,33,50
